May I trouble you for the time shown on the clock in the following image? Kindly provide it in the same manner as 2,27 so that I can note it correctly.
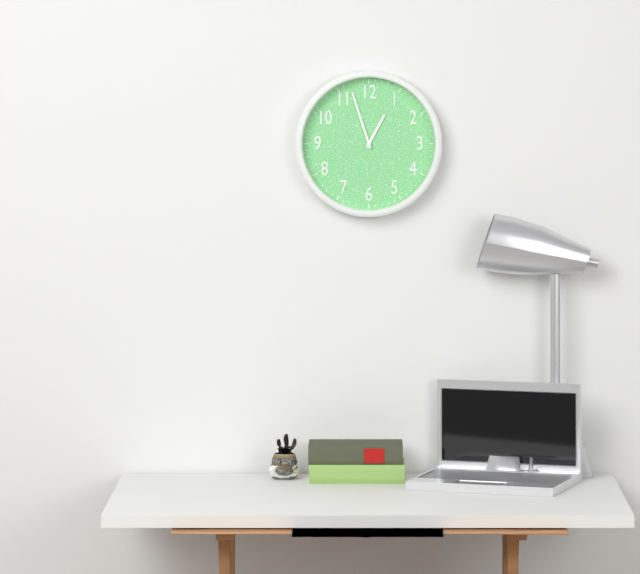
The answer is 12,57
